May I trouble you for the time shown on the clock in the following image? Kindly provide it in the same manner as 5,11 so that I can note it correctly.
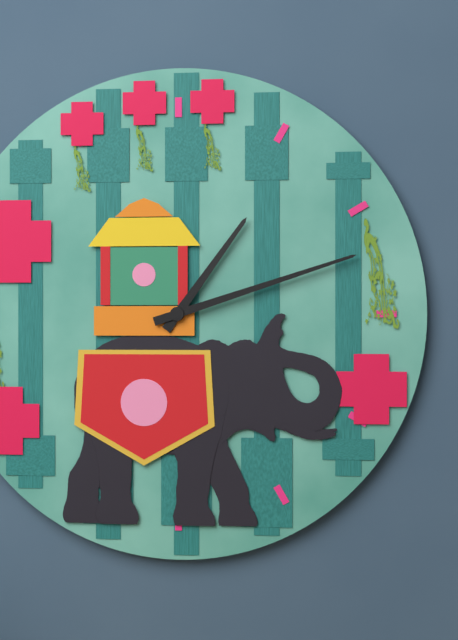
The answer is 1,12
